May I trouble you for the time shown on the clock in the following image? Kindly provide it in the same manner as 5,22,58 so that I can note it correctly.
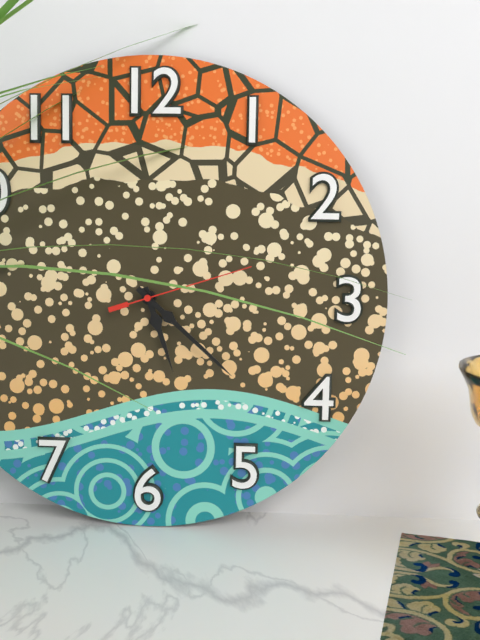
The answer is 5,22,12
